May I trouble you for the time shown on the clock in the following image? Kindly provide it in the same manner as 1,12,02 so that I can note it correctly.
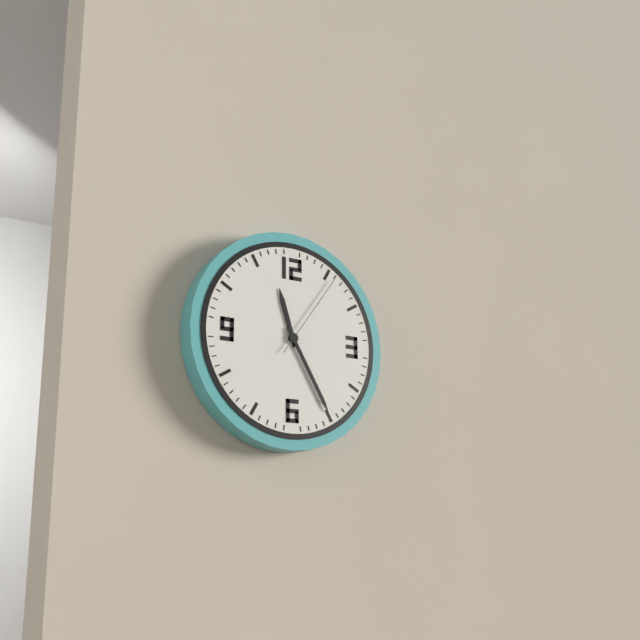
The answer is 11,25,06
